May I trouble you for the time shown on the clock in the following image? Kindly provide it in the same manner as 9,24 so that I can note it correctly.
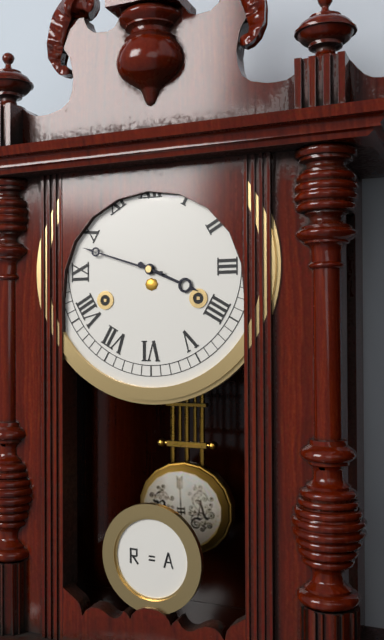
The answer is 3,48
